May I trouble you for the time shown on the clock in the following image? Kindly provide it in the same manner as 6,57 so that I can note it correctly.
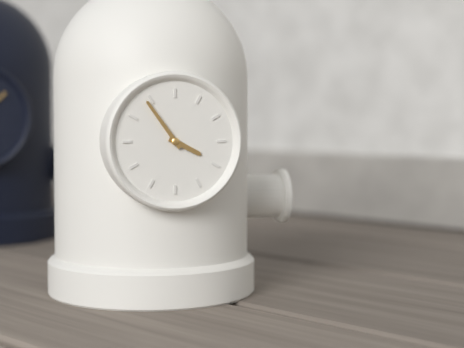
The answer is 3,54
